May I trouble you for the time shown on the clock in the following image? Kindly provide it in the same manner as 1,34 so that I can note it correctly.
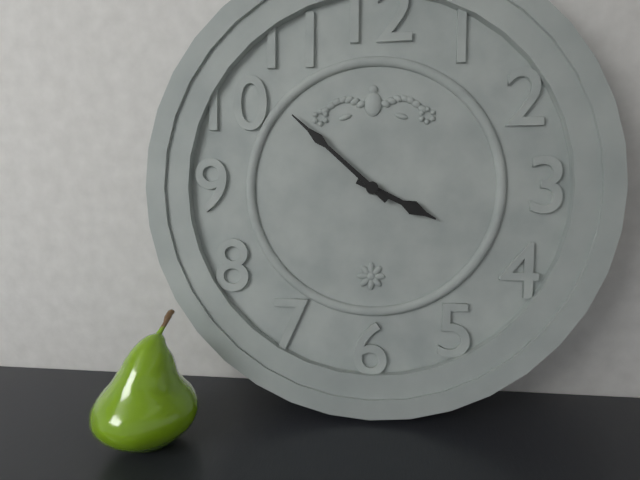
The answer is 3,52
